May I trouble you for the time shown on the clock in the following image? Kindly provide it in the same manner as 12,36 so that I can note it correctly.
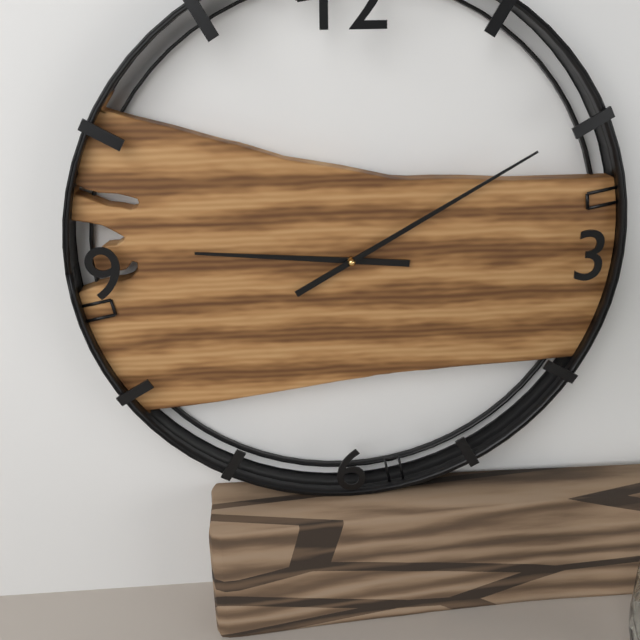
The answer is 9,10
